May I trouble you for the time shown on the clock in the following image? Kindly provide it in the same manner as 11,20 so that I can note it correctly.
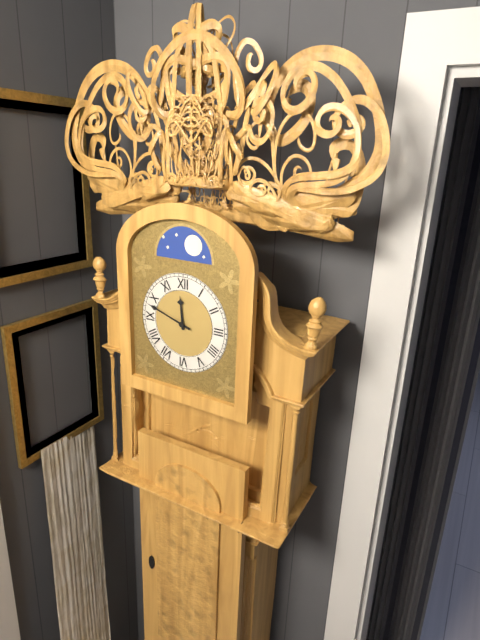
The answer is 11,48
